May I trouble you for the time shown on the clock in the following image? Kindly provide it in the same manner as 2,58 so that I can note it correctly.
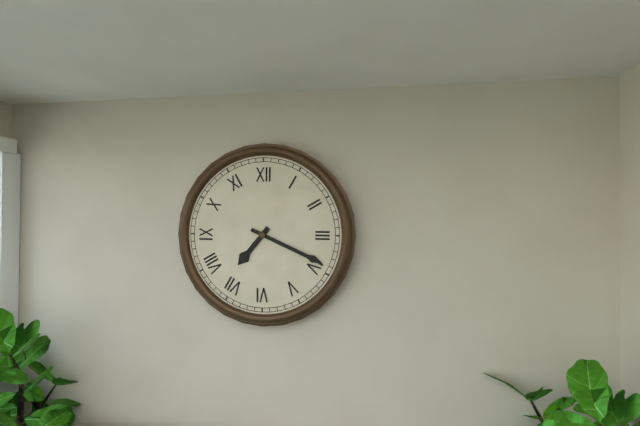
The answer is 7,19
